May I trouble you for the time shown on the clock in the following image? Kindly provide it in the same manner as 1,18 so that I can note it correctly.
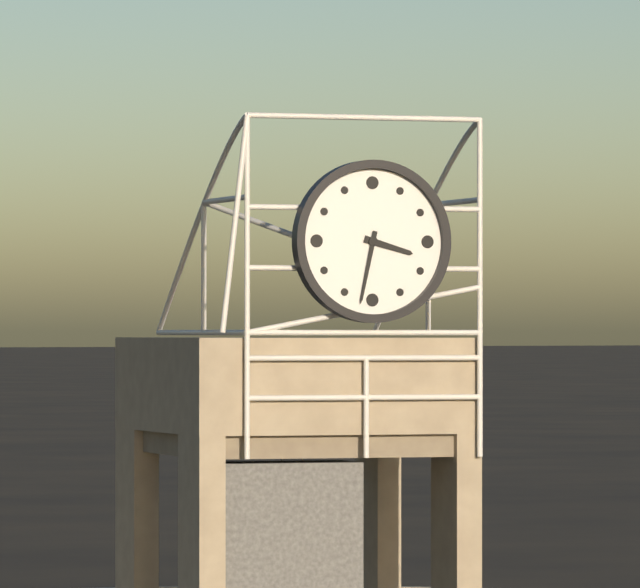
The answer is 3,32
